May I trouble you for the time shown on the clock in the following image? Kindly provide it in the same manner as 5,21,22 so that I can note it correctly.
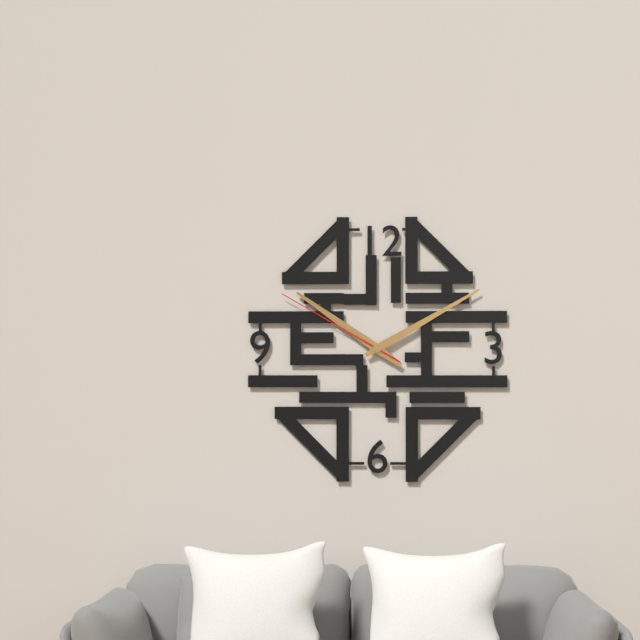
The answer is 10,10,50
